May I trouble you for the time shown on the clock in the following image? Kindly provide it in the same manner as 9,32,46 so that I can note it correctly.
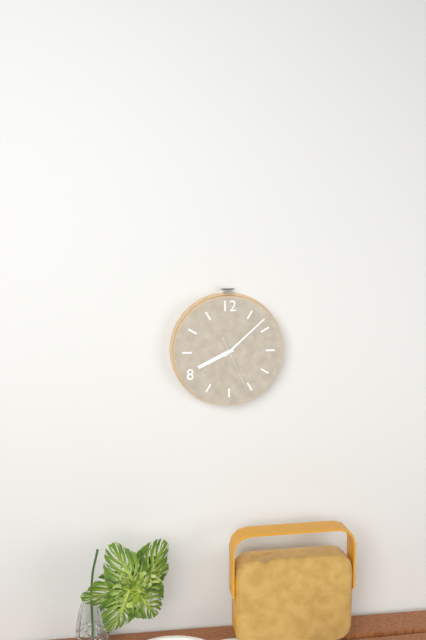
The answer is 8,08,26
